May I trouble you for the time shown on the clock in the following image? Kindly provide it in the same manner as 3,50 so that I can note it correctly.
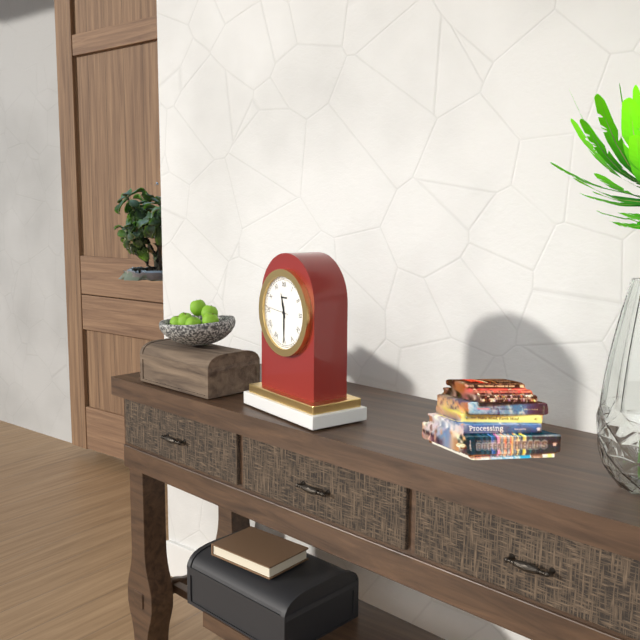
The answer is 11,30
